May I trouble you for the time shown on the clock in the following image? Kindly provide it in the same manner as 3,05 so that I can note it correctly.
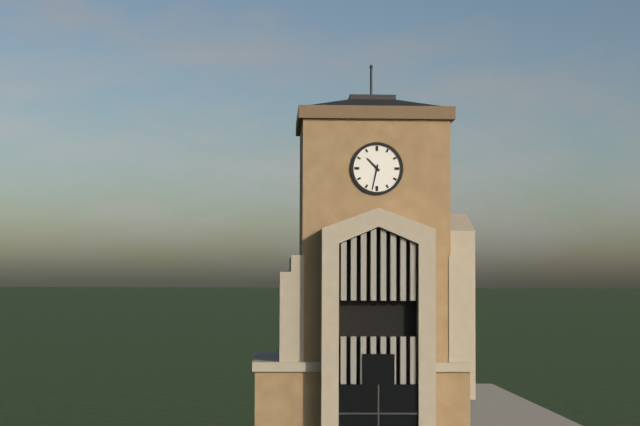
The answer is 10,32
